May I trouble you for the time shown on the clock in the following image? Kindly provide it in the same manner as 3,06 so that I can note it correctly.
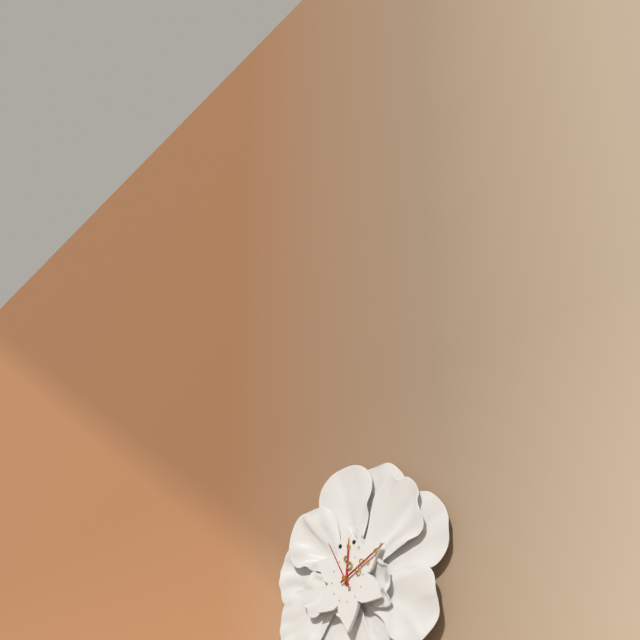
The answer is 12,11
